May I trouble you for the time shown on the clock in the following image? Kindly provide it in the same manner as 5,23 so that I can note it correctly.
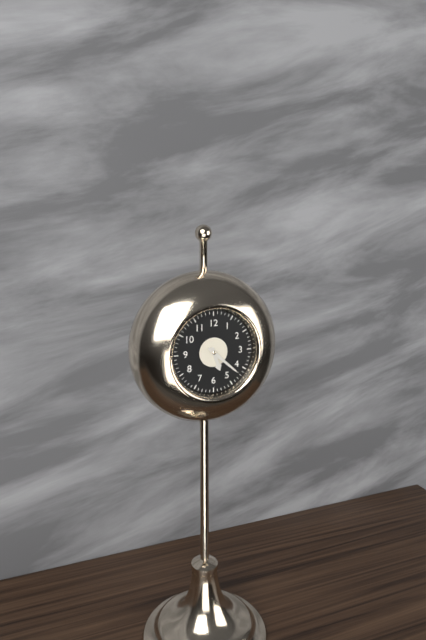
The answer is 5,22
